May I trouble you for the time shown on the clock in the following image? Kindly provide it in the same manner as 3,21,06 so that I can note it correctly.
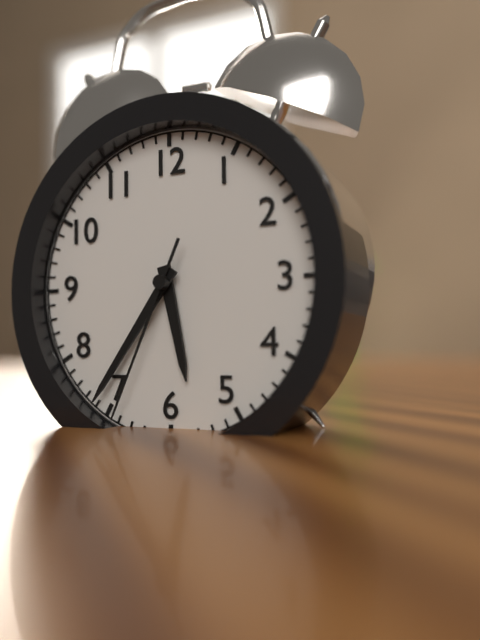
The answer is 5,36,34
